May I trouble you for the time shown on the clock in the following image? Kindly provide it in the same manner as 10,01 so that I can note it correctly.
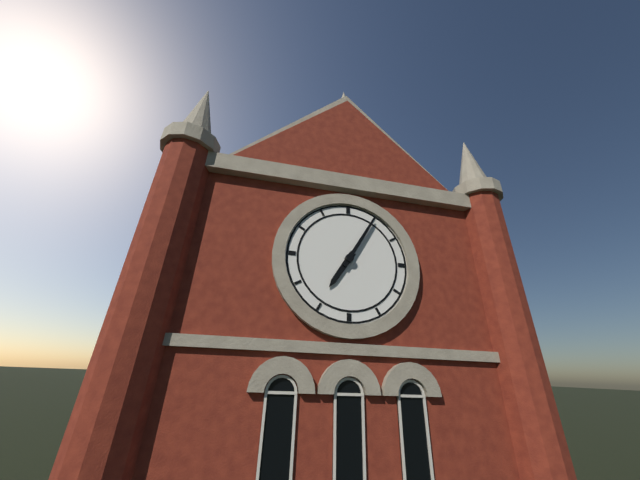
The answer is 7,05
